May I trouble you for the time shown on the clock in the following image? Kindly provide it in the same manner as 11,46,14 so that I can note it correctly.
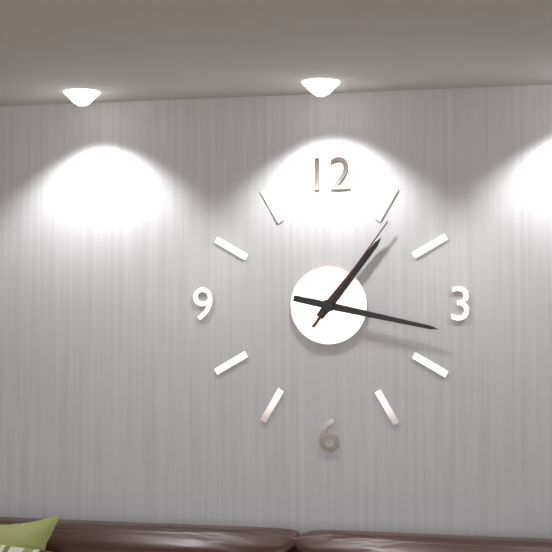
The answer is 1,17,06
